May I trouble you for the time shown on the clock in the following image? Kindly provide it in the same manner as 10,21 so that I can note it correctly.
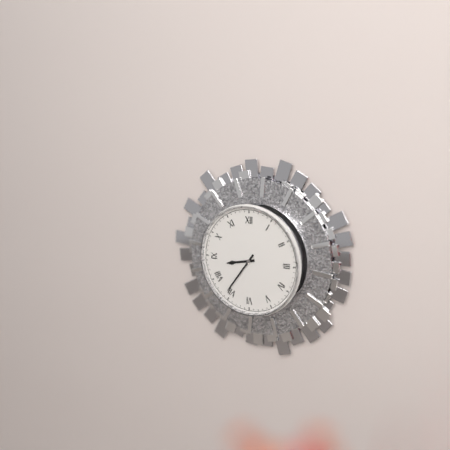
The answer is 8,36
